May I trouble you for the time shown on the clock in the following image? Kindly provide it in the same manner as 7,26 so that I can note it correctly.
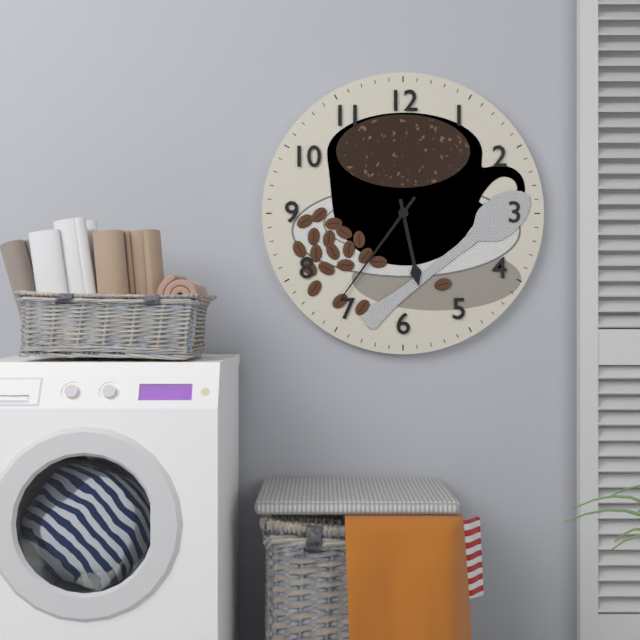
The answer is 5,36
